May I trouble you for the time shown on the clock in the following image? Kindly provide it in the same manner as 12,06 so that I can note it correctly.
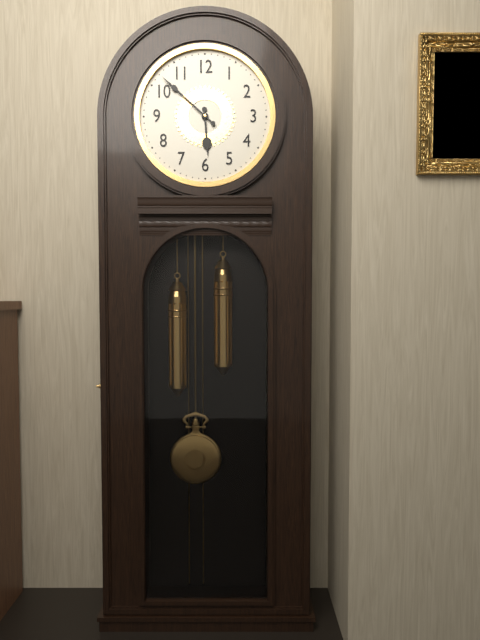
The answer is 5,52
